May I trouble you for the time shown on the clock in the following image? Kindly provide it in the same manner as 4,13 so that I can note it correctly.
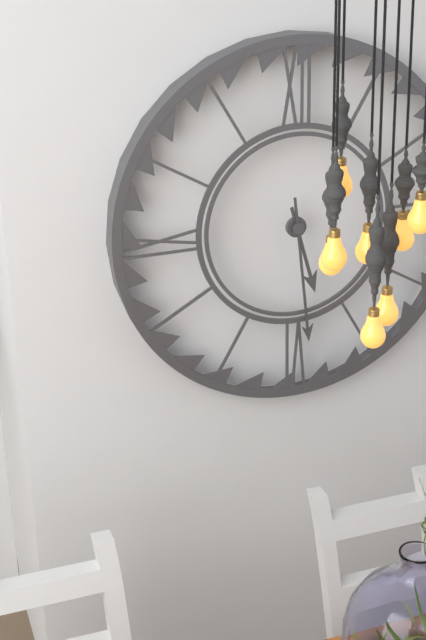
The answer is 5,29
